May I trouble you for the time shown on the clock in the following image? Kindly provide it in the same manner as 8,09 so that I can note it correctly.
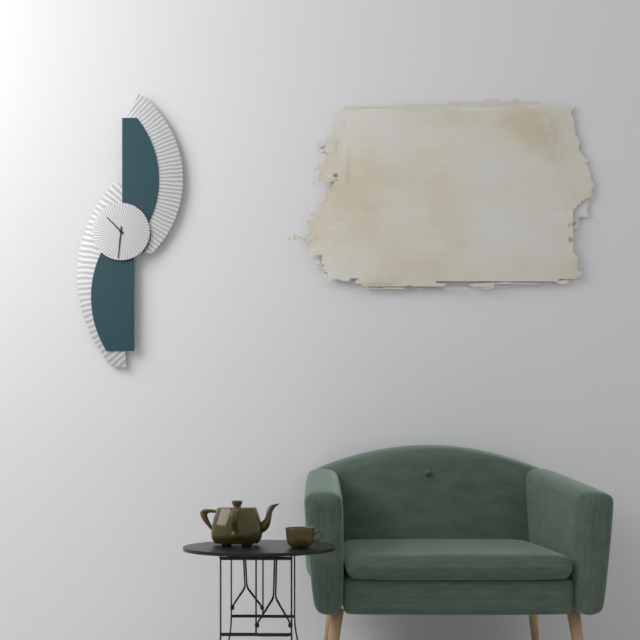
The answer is 10,31
